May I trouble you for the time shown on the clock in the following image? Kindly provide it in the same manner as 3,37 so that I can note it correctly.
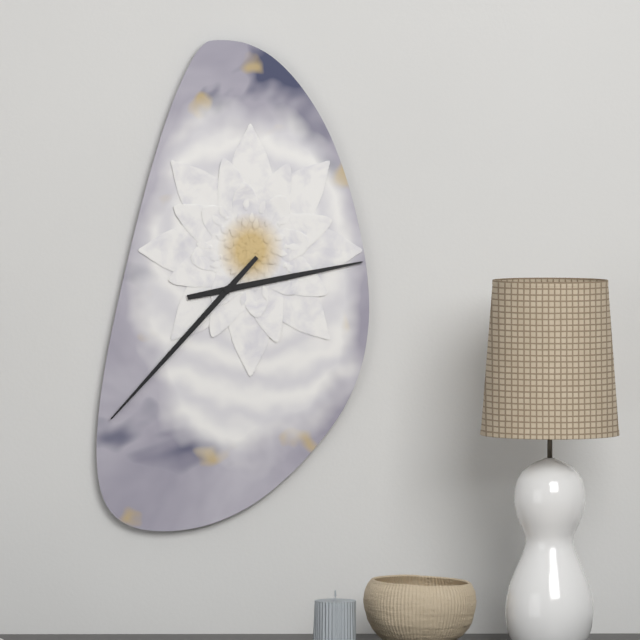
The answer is 2,37
